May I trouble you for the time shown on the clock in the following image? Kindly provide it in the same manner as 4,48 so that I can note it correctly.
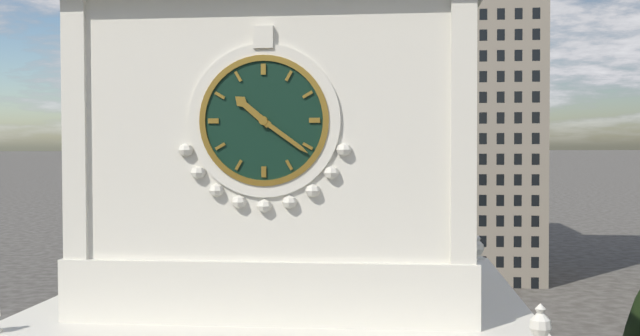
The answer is 10,21
